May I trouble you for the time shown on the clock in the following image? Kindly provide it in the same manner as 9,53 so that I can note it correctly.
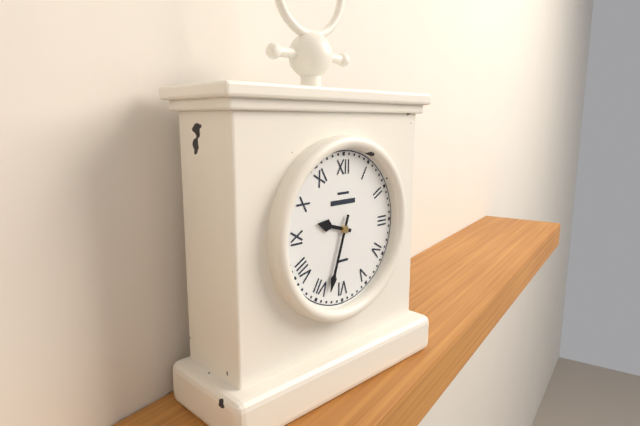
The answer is 9,33
